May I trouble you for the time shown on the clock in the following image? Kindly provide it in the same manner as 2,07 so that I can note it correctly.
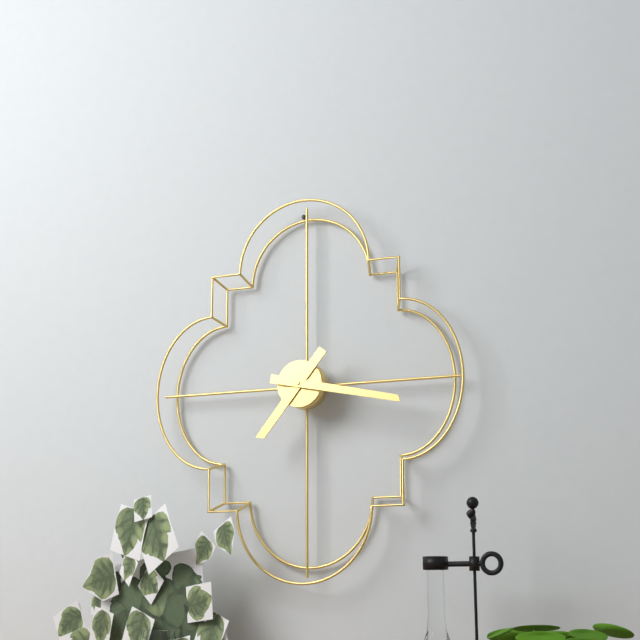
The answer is 7,17
